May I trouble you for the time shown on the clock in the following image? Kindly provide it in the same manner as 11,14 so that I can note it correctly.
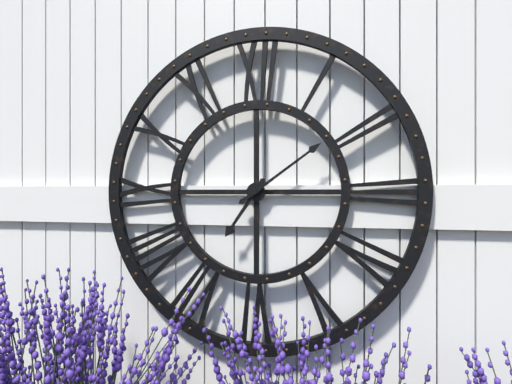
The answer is 7,09
